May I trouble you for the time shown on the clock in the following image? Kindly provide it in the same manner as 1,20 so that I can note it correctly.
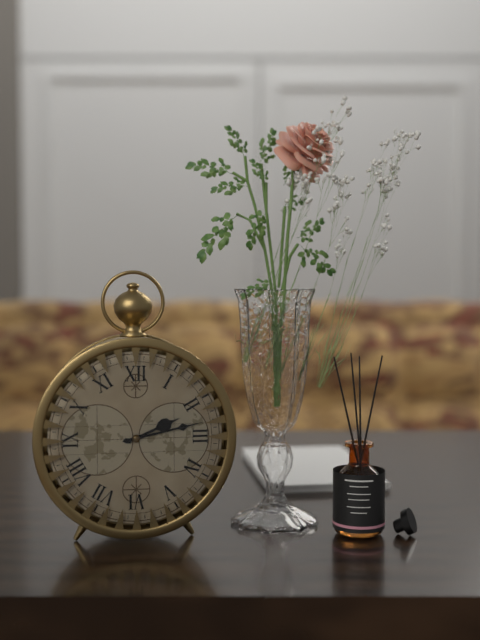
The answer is 2,13
